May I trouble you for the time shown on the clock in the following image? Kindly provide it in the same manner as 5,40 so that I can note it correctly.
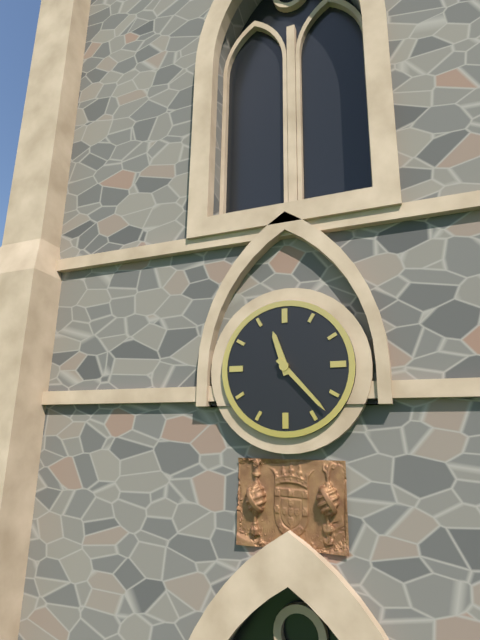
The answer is 11,23
